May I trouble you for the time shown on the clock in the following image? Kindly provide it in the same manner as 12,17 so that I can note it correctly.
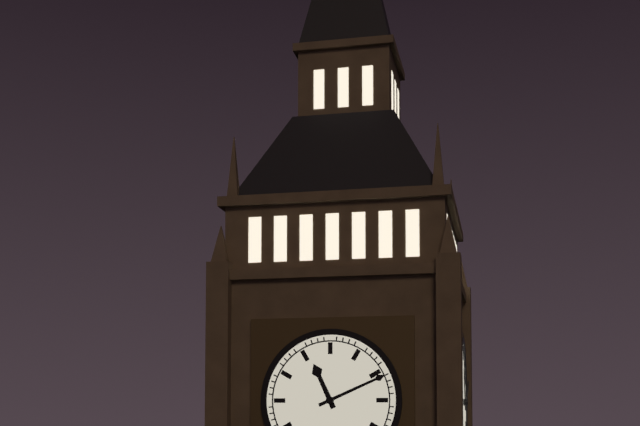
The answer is 11,11
